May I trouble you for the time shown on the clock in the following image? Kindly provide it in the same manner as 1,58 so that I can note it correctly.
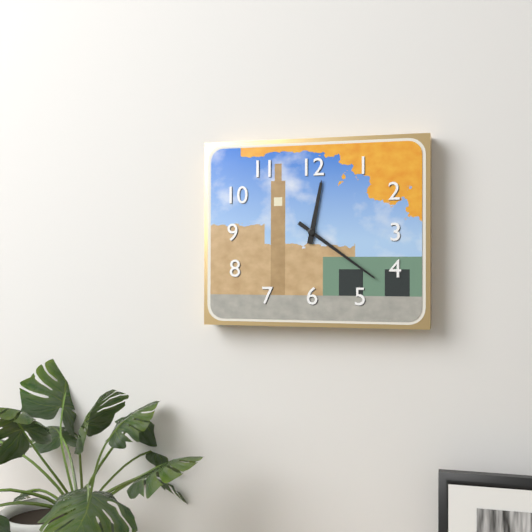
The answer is 12,21
